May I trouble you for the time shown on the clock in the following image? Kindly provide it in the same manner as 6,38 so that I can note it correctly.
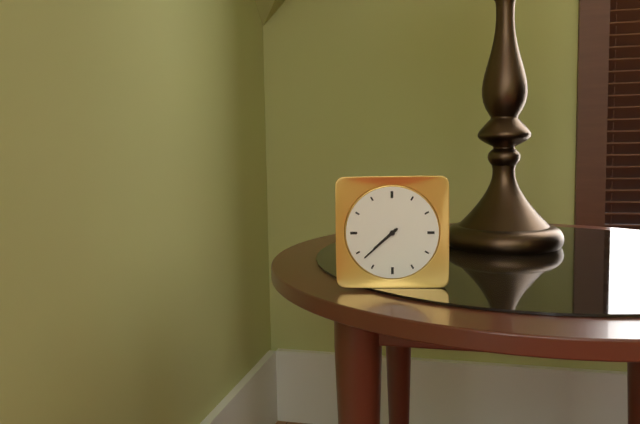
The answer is 7,38
